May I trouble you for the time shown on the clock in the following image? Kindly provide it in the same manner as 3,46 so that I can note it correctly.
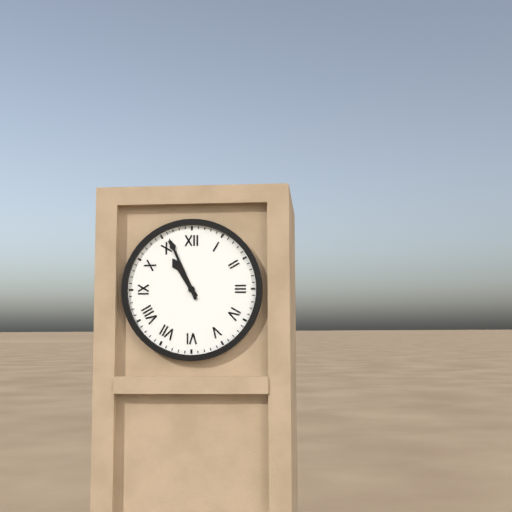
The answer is 10,56
